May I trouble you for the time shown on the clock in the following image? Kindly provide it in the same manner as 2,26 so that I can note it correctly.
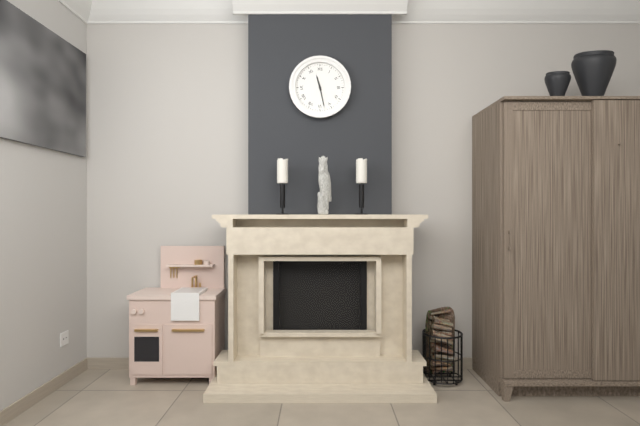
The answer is 11,28
